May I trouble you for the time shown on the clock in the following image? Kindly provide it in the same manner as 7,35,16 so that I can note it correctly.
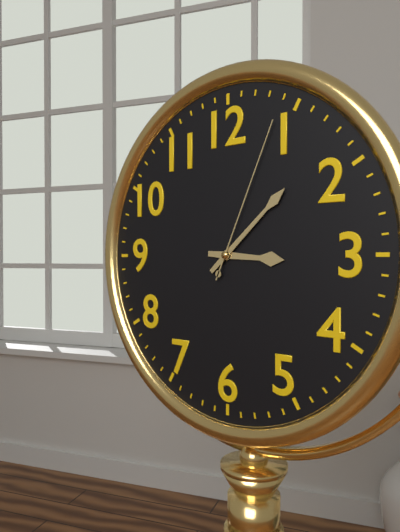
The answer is 3,08,04
